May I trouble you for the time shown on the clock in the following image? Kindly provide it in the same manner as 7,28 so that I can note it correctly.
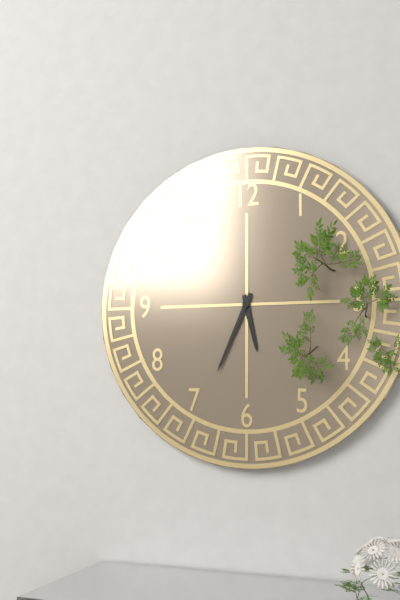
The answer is 5,34
